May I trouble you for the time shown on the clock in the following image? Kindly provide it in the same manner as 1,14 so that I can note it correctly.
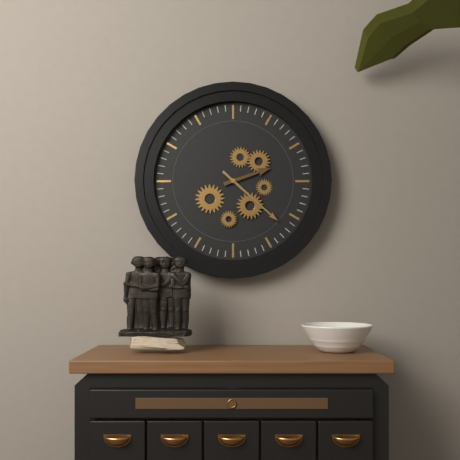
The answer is 2,22
